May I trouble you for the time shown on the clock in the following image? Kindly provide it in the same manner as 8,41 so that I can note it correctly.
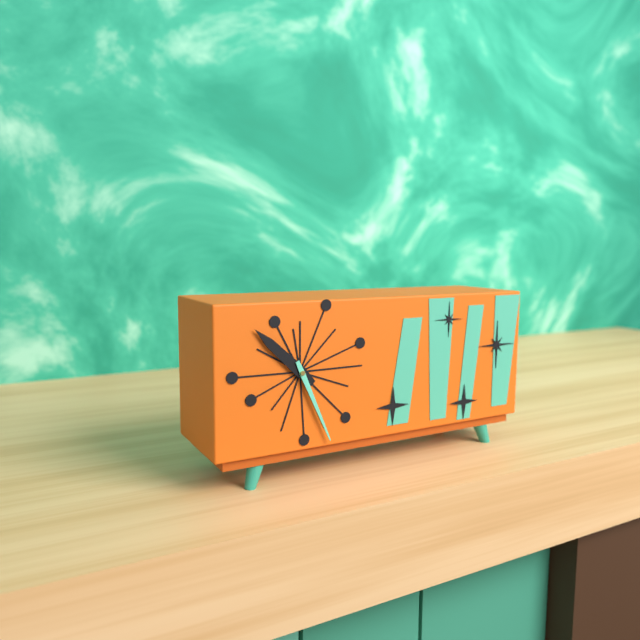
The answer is 10,26
